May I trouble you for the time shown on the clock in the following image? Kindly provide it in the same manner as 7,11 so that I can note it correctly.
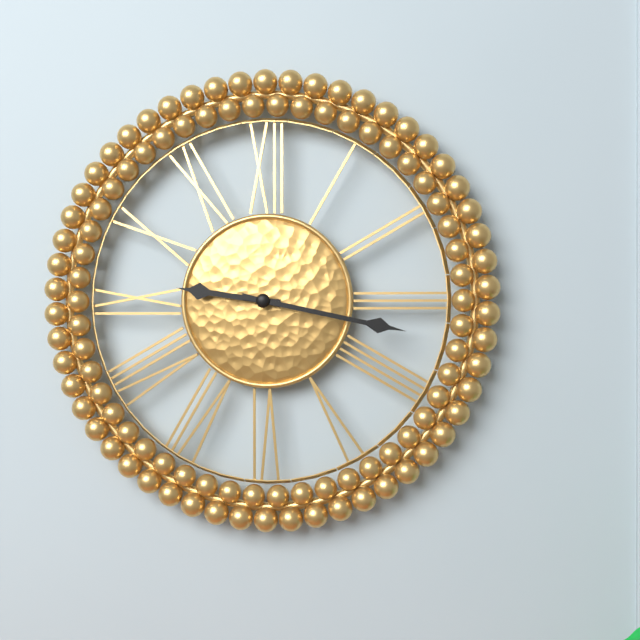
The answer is 9,17
